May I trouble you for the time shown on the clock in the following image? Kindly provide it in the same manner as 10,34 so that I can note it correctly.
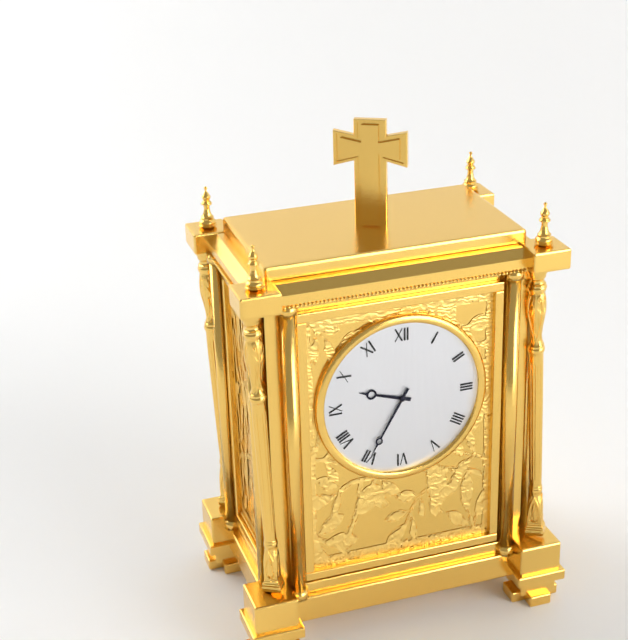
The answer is 9,35
